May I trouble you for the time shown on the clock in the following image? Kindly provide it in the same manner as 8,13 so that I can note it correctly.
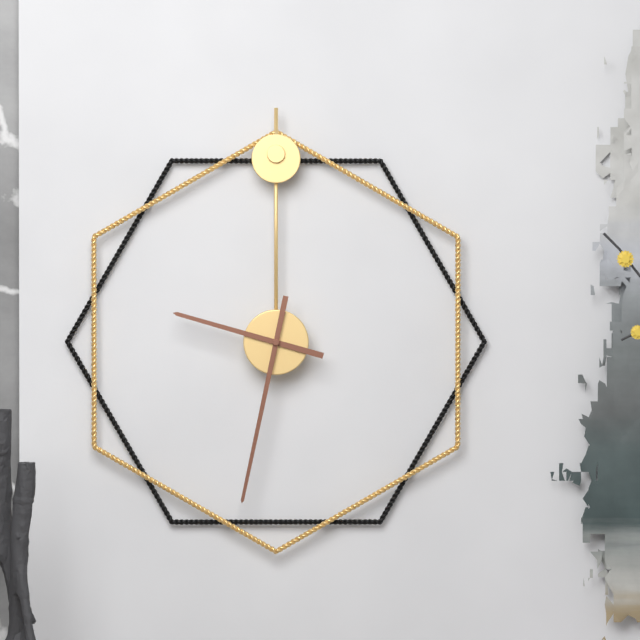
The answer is 9,32
